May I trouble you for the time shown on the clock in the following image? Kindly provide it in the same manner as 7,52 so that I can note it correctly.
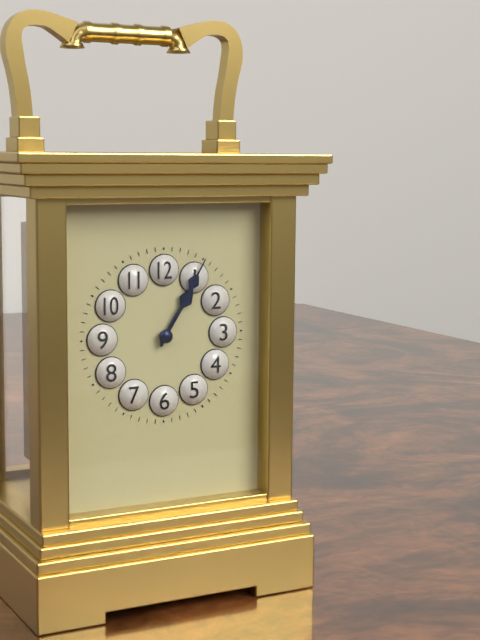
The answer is 1,05
